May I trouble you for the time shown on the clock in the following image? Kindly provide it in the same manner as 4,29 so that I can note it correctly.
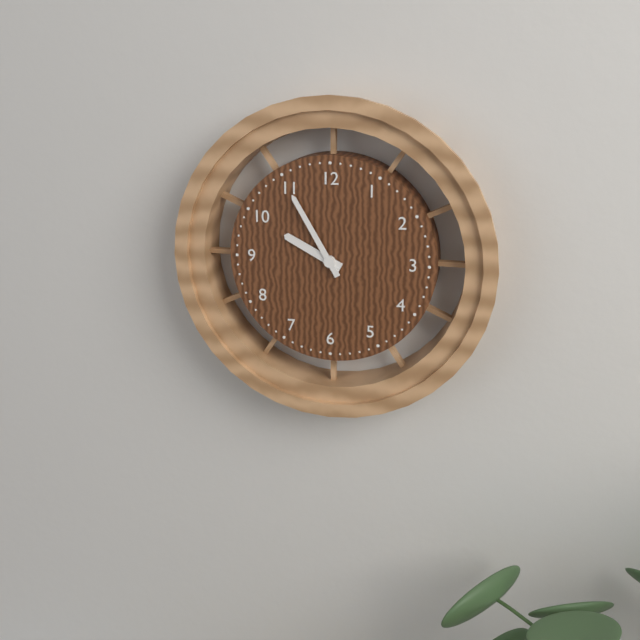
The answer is 9,55
